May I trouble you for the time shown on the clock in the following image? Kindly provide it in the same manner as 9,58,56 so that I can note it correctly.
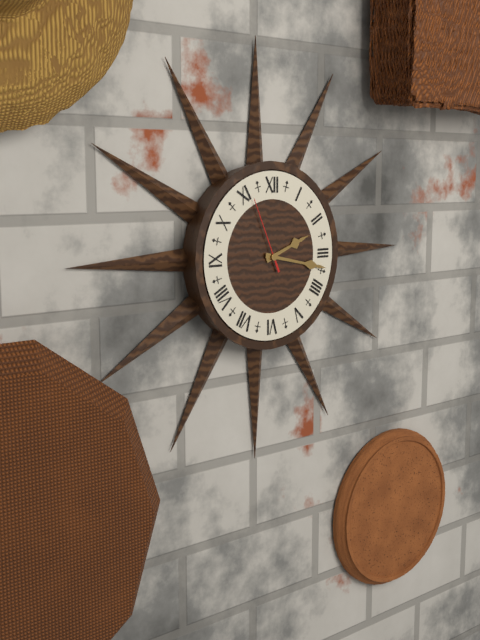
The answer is 2,17,56
